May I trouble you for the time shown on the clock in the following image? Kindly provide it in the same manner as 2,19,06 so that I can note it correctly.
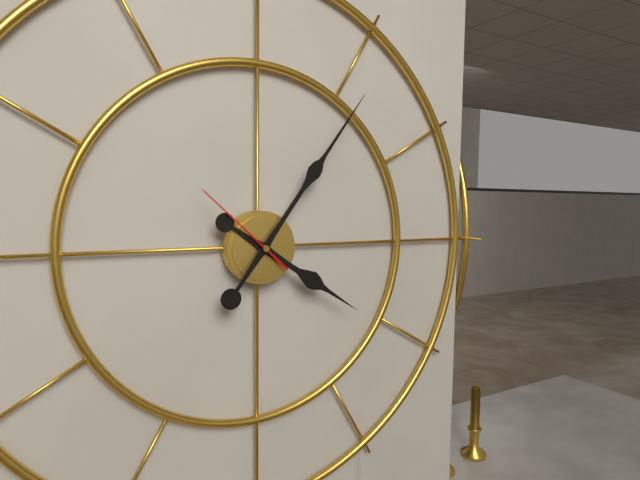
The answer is 4,06,52
